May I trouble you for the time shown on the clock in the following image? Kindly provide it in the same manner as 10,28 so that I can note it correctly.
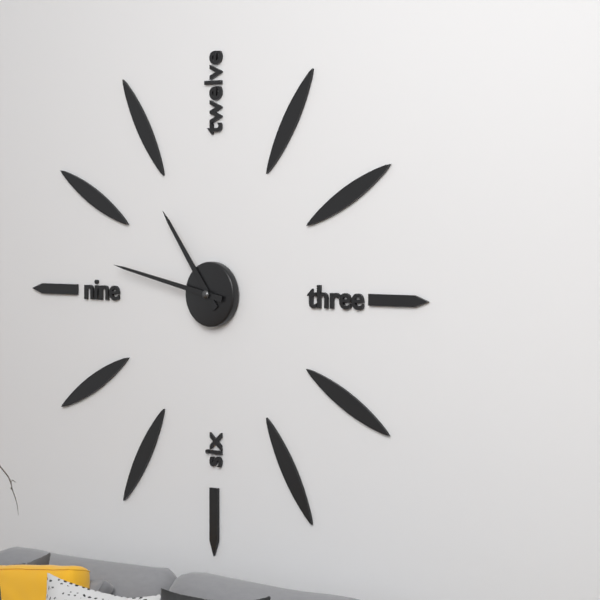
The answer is 10,47
